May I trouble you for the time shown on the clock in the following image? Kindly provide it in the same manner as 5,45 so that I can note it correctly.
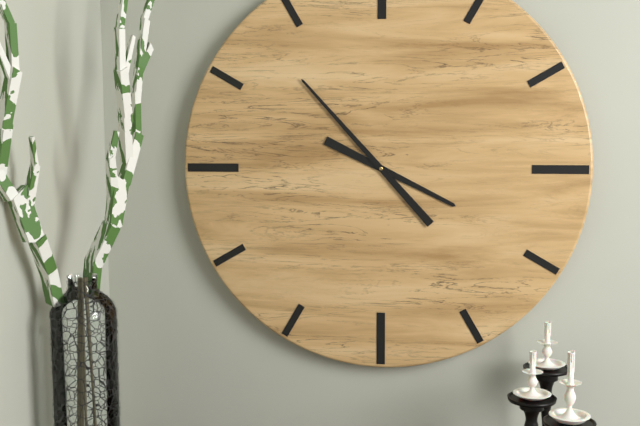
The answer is 3,53
